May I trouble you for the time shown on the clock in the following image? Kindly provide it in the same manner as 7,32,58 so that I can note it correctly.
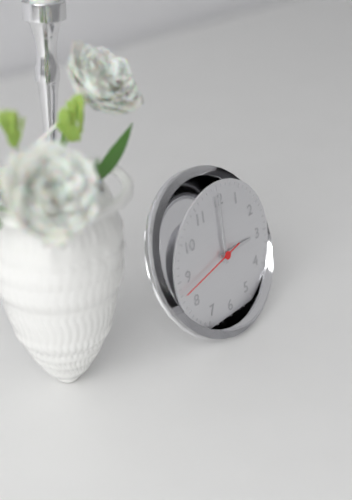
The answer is 3,00,43
